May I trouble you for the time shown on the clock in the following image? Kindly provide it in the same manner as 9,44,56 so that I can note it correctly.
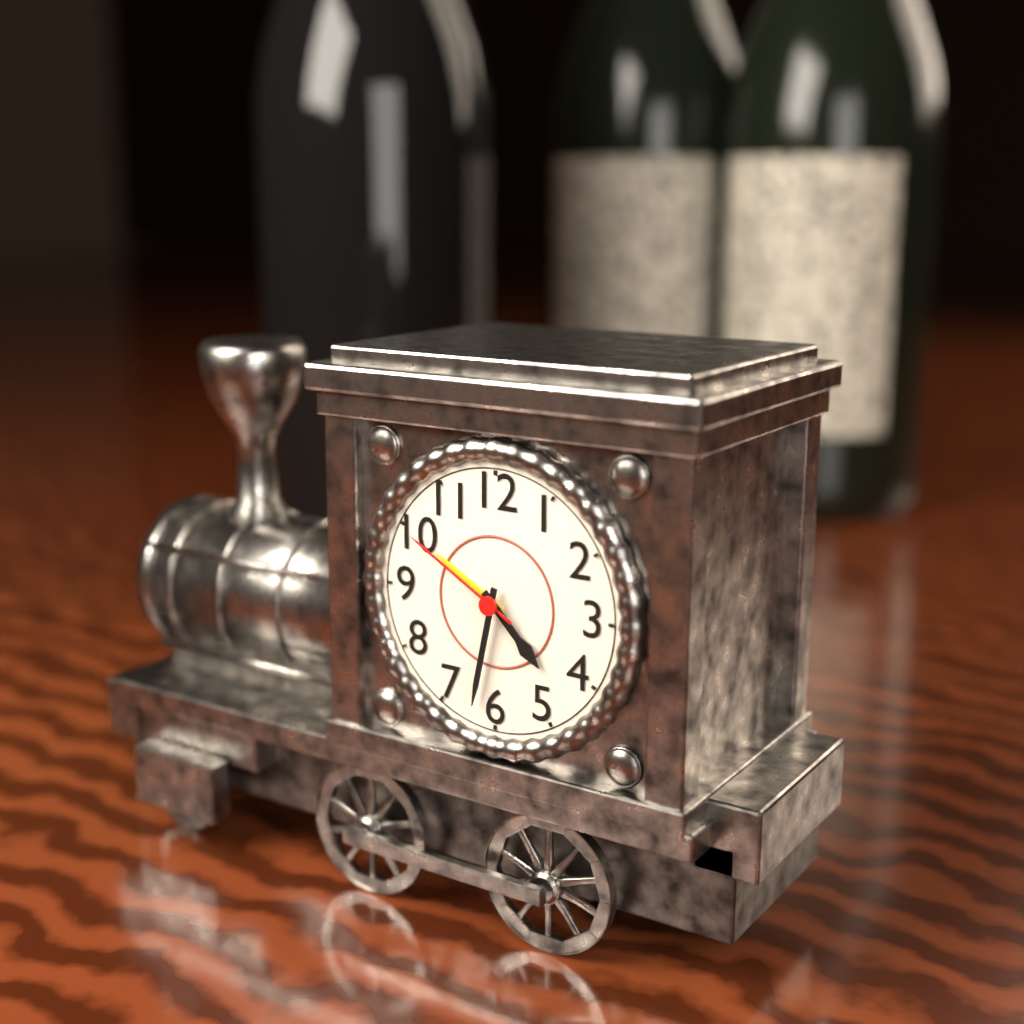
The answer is 4,32,50
